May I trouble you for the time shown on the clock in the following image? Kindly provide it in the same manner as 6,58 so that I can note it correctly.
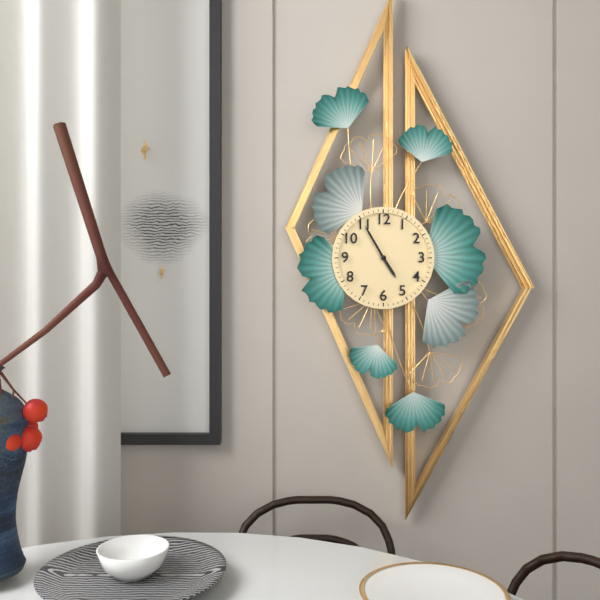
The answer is 4,55
